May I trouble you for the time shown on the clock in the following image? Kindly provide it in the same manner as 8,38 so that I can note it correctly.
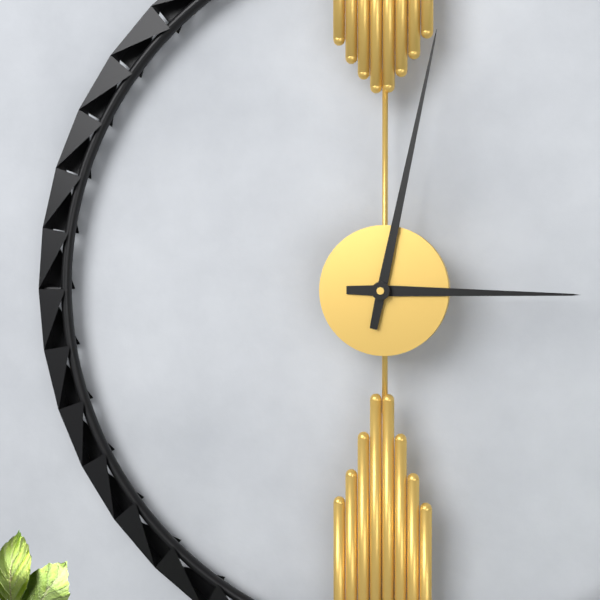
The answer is 3,02
